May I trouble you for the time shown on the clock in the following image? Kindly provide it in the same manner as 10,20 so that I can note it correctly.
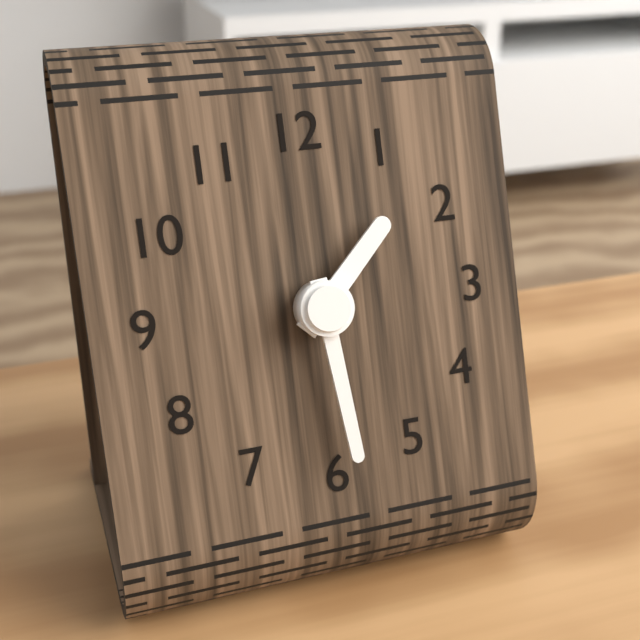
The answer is 1,29
